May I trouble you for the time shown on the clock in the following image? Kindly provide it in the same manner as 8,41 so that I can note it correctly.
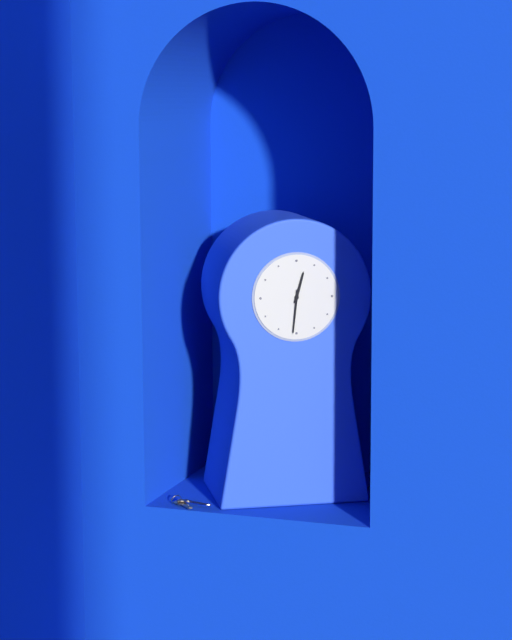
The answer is 12,31
